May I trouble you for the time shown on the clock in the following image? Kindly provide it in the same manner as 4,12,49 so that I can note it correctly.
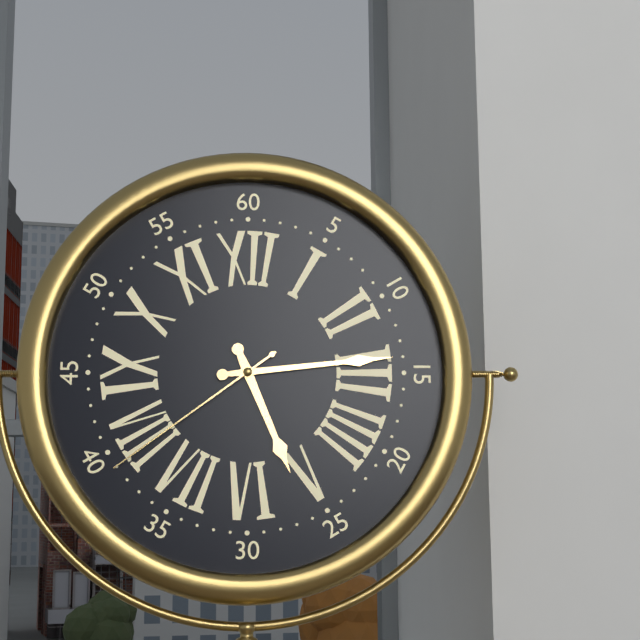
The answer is 5,14,39
